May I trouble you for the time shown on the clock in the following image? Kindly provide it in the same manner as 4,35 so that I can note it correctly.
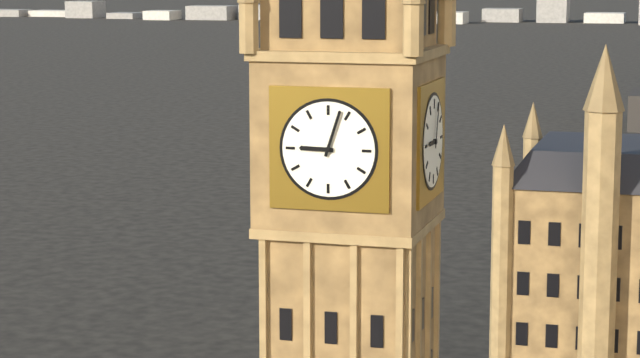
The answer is 9,03
